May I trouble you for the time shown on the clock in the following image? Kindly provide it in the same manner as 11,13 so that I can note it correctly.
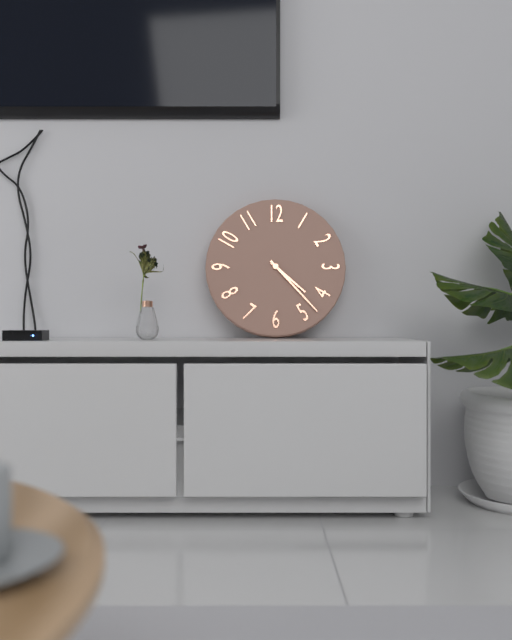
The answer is 4,23
